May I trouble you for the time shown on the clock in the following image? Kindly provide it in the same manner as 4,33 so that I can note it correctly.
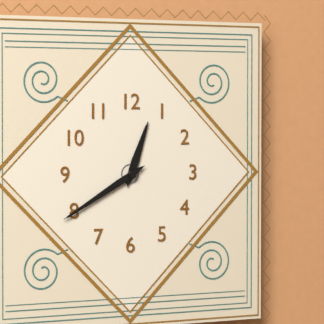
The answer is 12,40
